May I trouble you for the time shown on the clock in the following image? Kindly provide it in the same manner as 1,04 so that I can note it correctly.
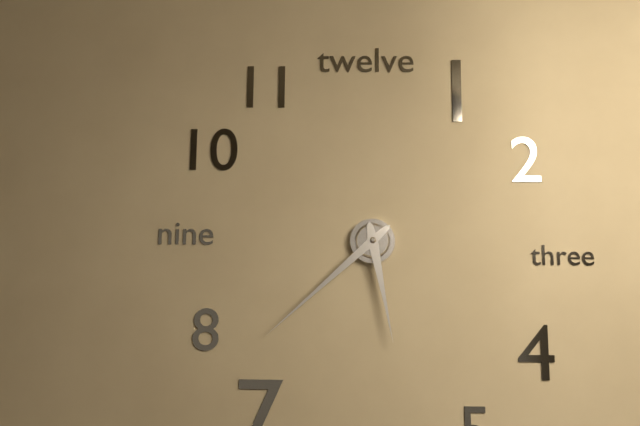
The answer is 5,38
